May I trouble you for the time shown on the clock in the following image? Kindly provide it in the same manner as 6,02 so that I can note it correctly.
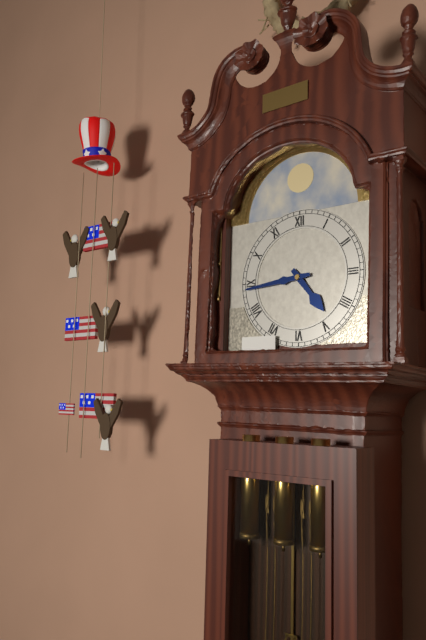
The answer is 4,44
